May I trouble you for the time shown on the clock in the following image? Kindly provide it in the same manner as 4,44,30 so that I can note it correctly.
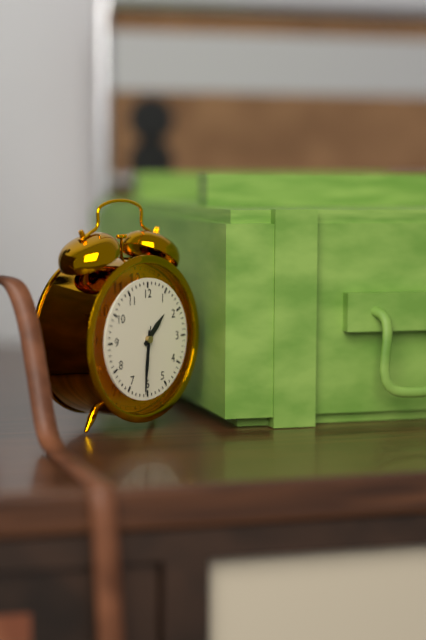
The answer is 1,31,31
